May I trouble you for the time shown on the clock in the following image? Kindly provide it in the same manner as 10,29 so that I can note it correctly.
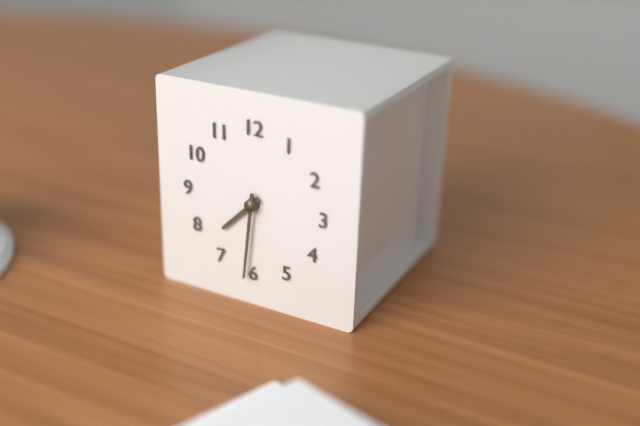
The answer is 7,31
